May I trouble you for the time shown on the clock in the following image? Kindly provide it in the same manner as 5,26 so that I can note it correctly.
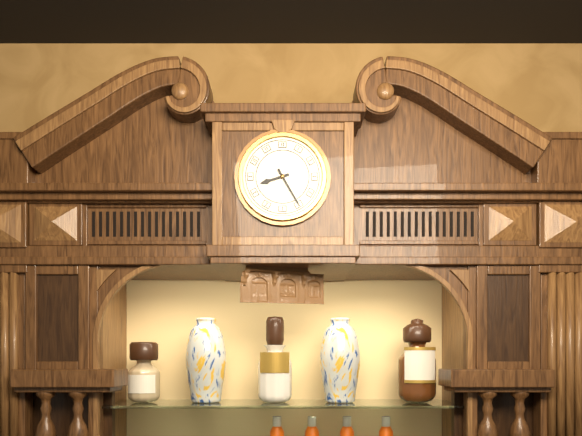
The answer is 8,25
